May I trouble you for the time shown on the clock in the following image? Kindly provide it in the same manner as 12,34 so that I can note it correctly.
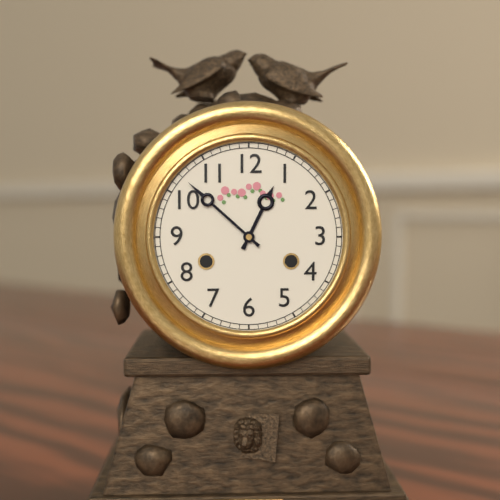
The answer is 12,52
